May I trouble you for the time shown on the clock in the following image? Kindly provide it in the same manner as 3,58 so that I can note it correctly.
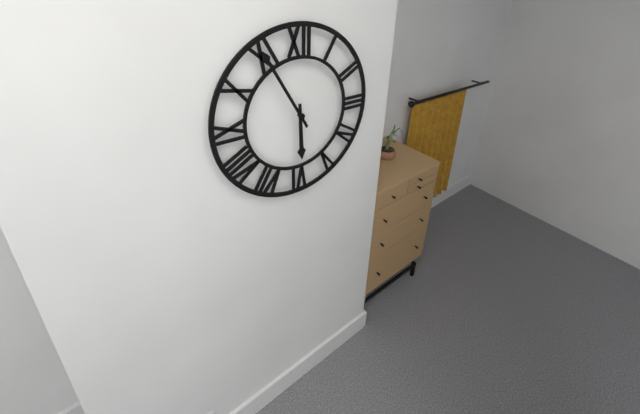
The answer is 5,55
